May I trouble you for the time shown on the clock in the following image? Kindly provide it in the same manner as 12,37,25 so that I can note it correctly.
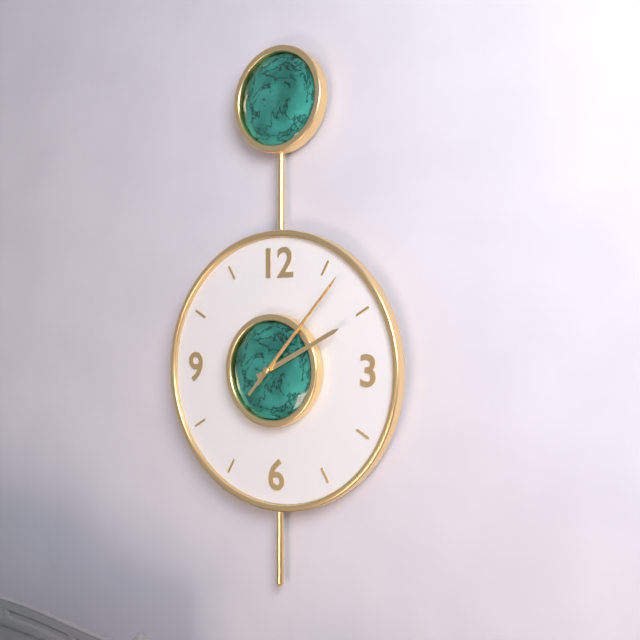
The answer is 2,07,07
